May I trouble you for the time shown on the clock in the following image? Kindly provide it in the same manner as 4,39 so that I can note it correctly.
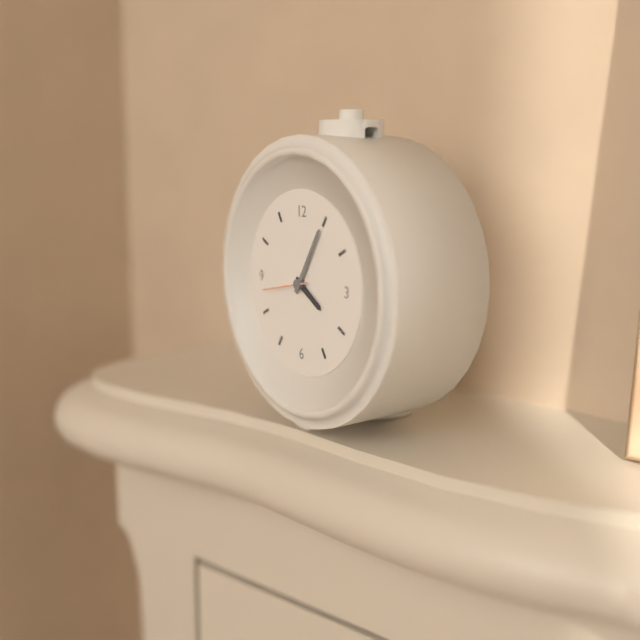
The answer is 4,05
